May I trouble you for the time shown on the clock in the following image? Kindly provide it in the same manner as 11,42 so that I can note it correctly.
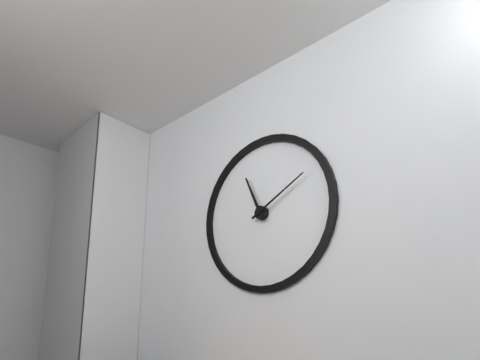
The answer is 11,10
